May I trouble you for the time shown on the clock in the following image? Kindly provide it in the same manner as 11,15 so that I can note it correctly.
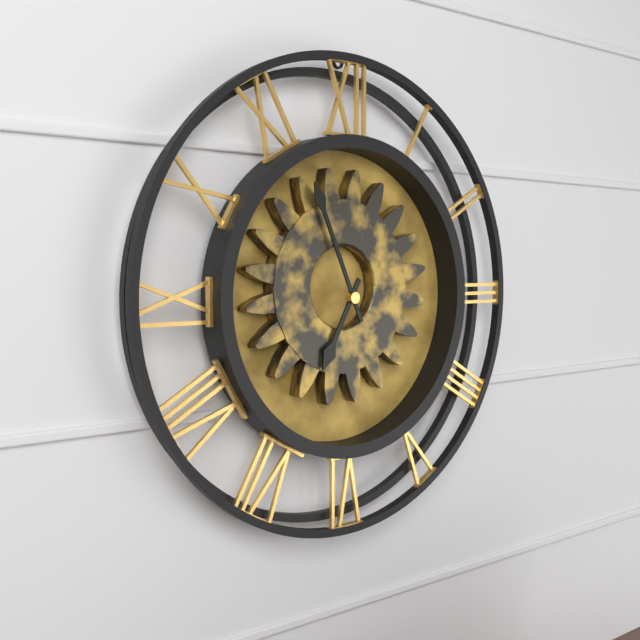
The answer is 6,56
